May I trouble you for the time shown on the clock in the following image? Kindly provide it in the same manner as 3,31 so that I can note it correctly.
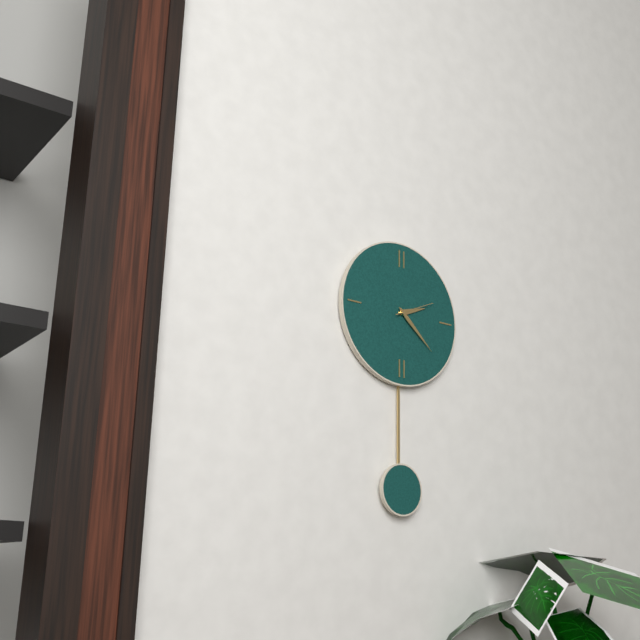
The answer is 2,22
